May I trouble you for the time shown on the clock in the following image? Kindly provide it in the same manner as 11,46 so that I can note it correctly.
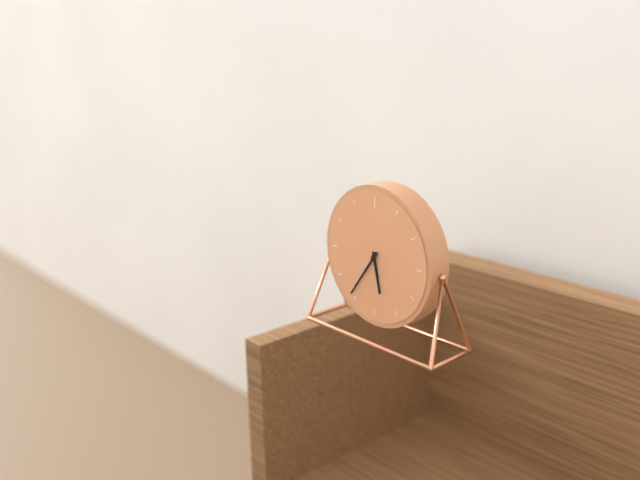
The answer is 5,36
